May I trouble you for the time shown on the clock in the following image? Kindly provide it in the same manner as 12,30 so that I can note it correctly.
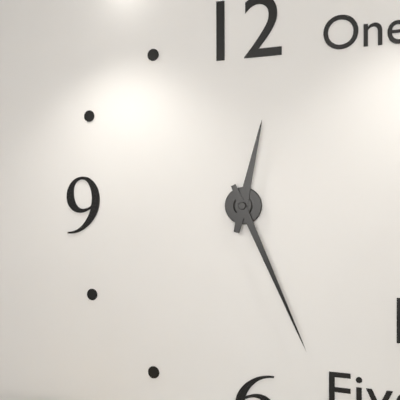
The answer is 12,26
